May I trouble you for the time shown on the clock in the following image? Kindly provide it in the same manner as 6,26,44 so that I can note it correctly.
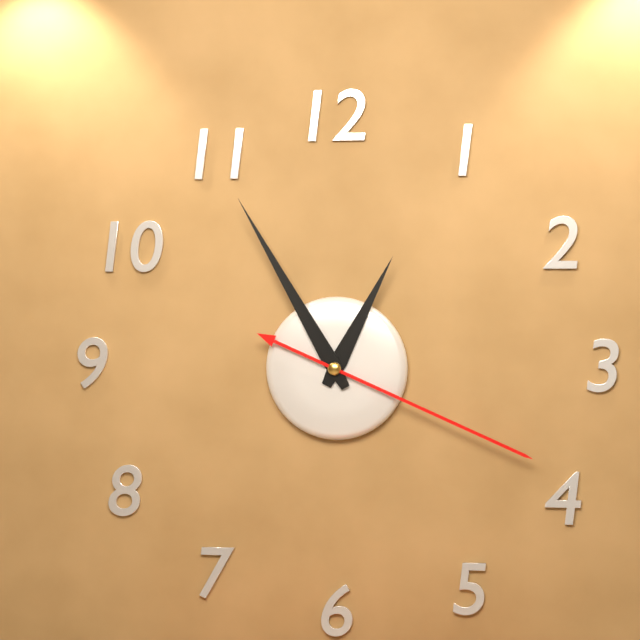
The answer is 12,55,19
